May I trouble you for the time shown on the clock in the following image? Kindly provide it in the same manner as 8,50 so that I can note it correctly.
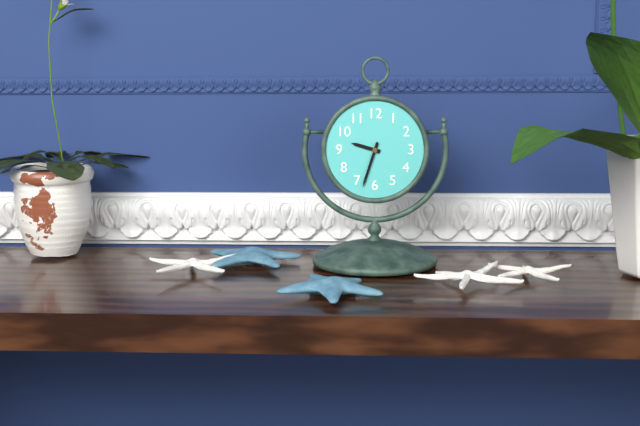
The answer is 9,33
